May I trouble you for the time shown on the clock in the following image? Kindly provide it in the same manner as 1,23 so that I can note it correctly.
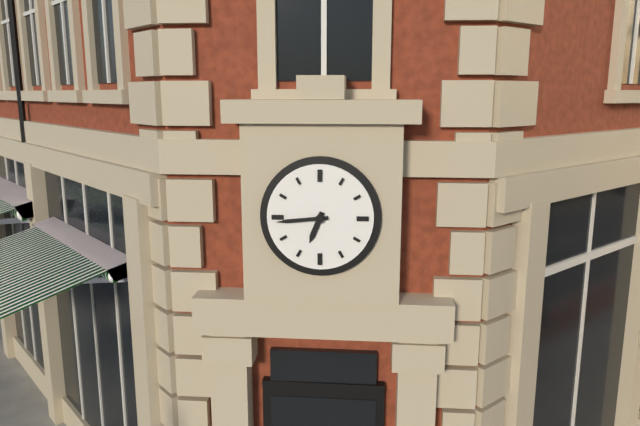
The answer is 6,44
